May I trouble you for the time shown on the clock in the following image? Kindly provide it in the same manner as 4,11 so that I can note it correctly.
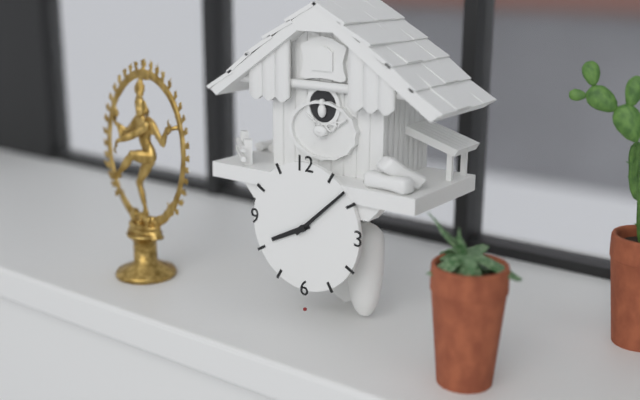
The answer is 8,08
